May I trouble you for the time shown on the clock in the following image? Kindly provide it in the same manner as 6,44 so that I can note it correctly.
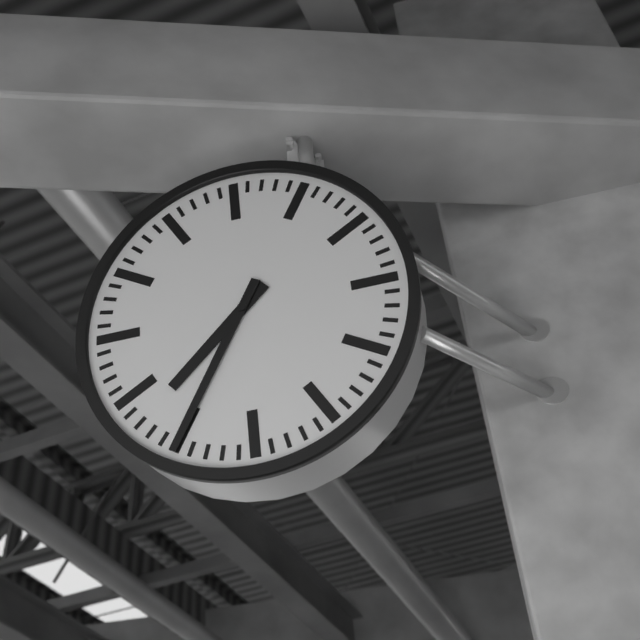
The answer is 7,35
